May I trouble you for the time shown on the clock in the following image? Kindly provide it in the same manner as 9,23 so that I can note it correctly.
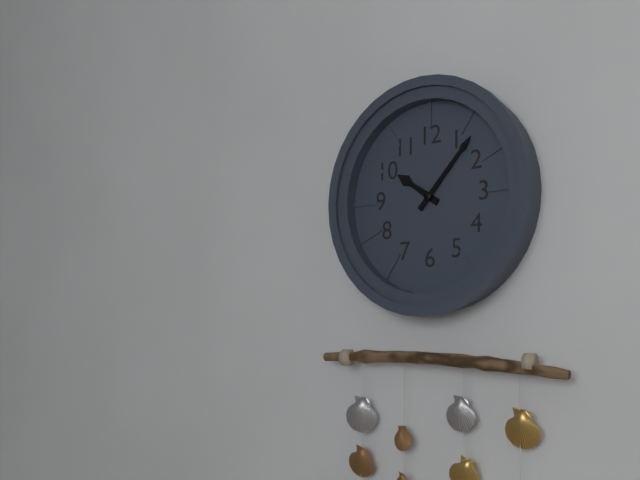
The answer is 10,07
